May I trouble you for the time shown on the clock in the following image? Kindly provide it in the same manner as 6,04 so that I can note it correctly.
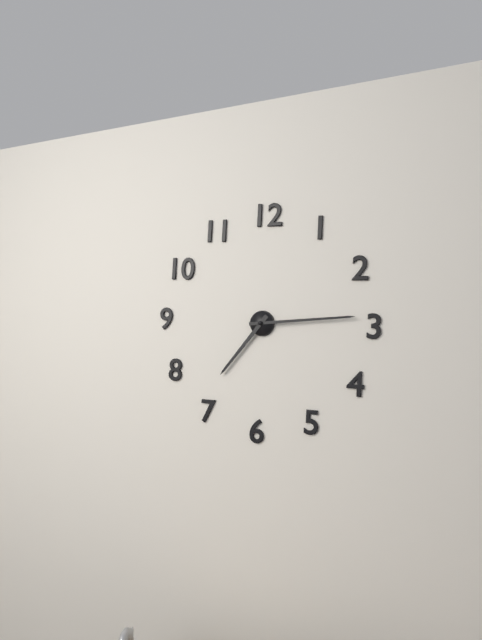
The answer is 7,14
